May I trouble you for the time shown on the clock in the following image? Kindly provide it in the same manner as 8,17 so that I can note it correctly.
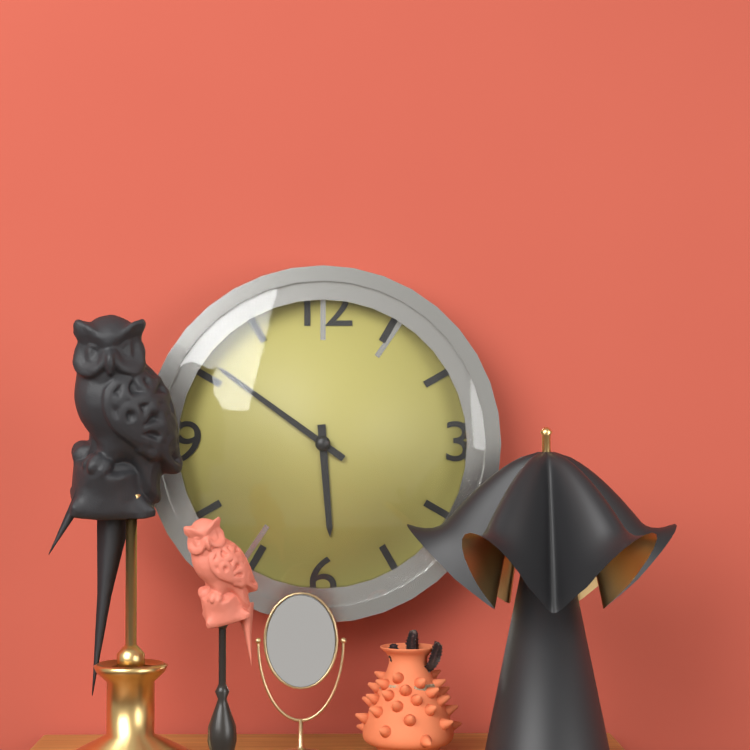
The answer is 5,51
